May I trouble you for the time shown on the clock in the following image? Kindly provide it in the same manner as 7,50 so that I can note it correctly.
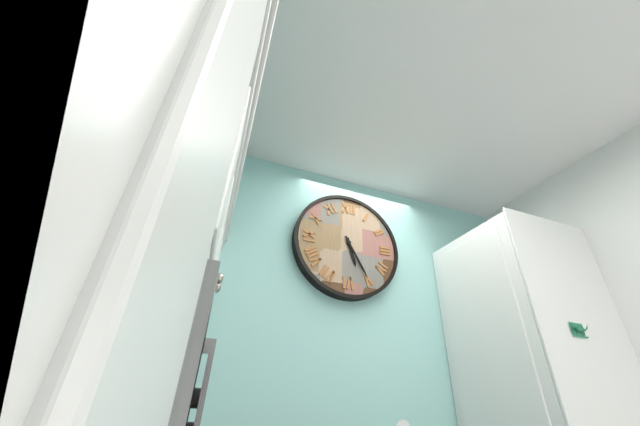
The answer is 5,25
